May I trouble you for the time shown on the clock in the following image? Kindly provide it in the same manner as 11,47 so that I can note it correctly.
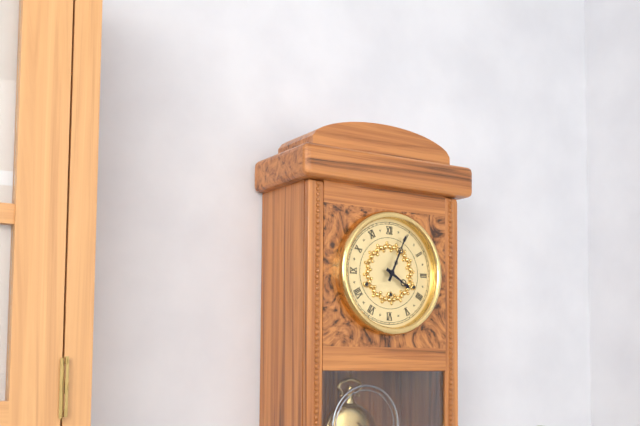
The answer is 4,04
